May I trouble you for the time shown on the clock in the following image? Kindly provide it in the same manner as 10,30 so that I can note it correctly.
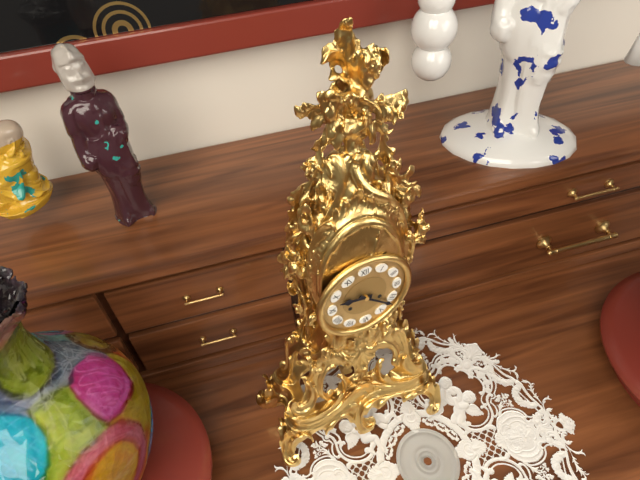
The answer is 9,22
